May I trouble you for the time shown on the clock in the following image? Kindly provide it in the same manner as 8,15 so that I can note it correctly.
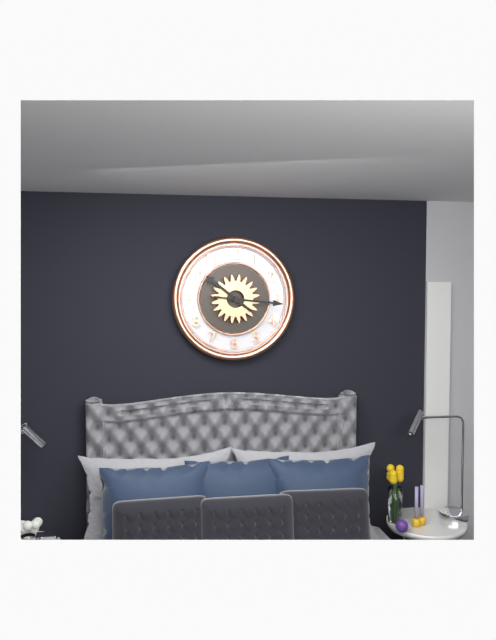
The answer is 10,16
